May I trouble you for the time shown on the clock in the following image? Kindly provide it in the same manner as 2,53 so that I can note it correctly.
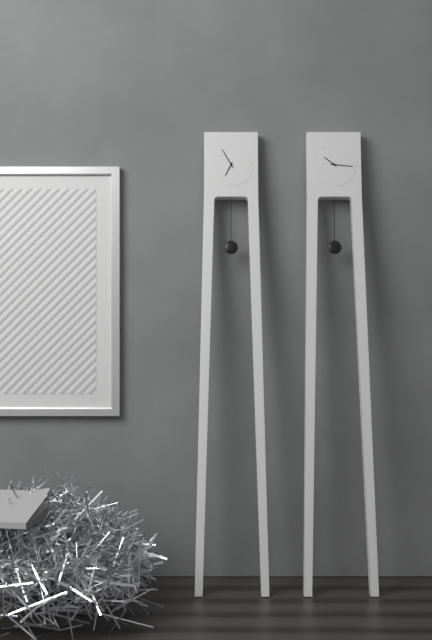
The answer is 6,55
